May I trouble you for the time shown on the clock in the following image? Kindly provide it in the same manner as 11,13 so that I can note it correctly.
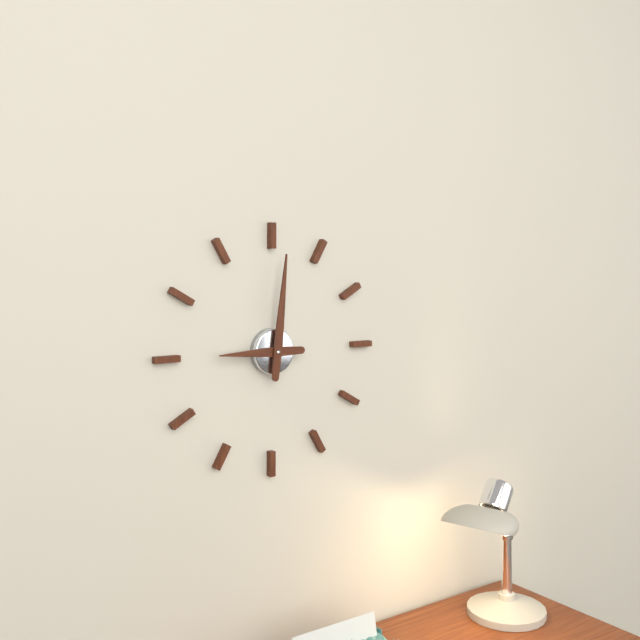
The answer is 9,01
